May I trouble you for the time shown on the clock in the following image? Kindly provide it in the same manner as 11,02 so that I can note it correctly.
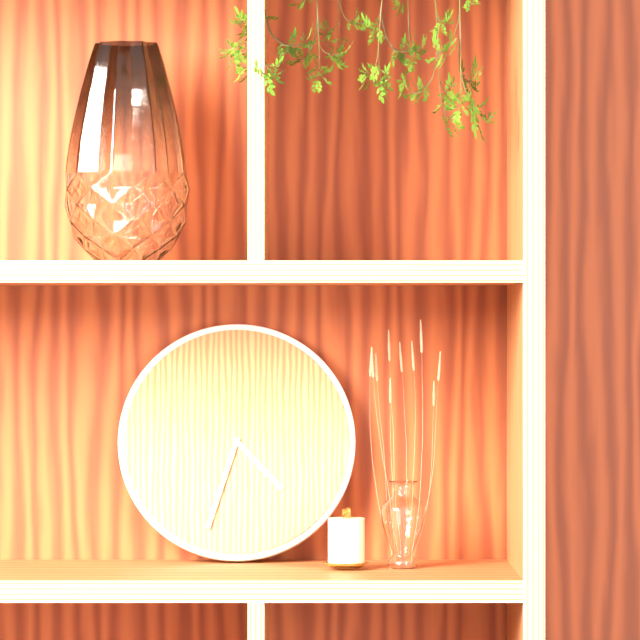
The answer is 4,33
